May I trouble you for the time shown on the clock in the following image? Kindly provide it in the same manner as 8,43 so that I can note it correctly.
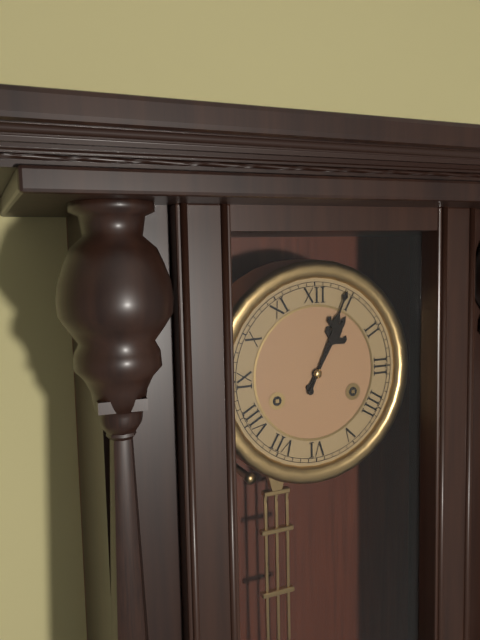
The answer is 1,04
